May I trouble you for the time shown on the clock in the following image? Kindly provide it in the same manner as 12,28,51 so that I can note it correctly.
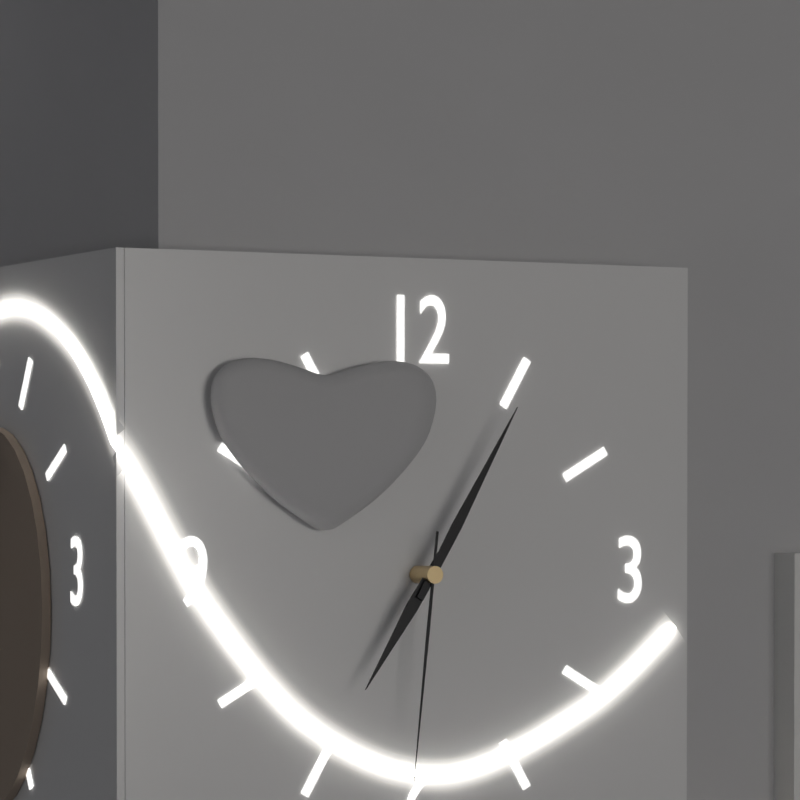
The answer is 7,05,31
